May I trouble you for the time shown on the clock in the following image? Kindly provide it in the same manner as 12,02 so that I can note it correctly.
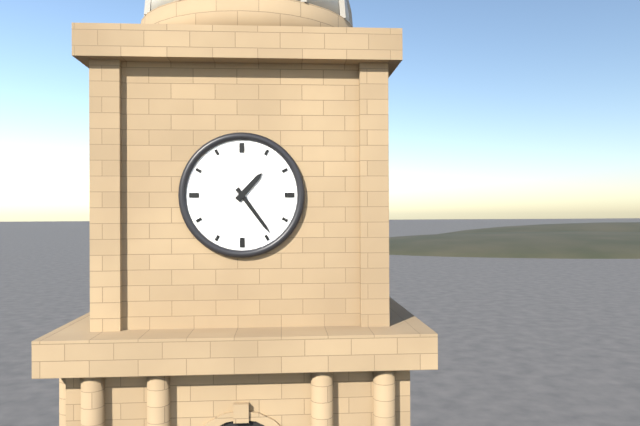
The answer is 1,24
